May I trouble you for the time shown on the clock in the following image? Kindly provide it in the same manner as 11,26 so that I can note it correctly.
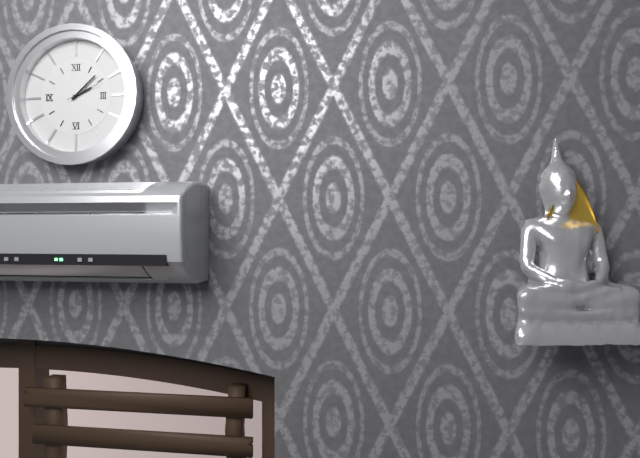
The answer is 2,08
